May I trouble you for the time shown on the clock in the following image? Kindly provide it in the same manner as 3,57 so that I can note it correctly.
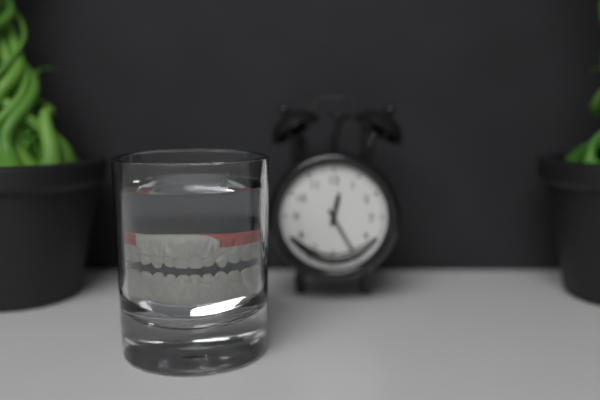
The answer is 12,25
